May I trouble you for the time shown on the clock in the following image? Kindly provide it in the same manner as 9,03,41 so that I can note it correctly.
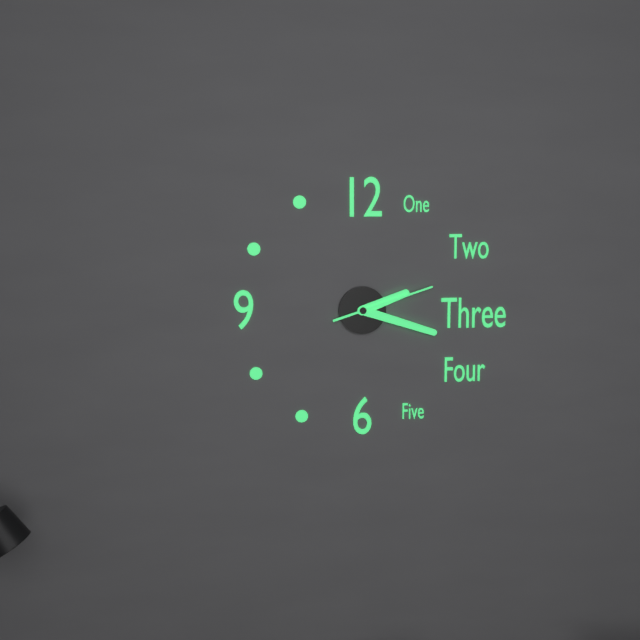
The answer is 2,18,12
